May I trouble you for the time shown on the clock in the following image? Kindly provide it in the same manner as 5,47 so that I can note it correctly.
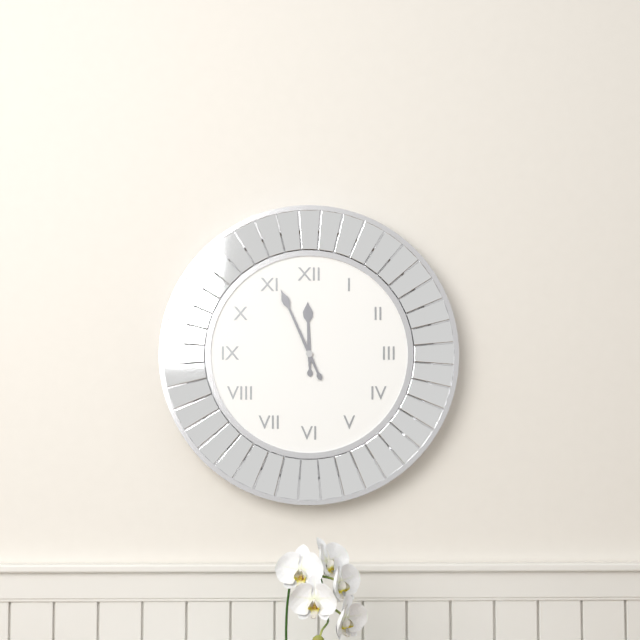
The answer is 11,56
